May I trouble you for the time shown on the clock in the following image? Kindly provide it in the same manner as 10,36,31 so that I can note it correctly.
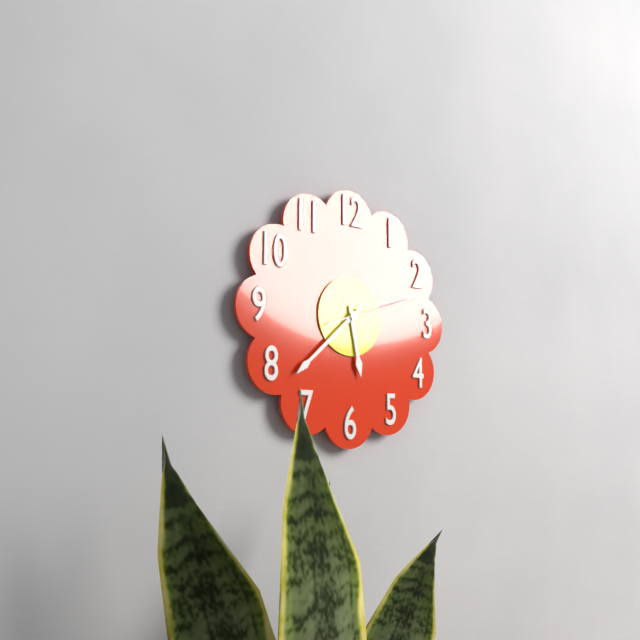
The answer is 5,38,12
